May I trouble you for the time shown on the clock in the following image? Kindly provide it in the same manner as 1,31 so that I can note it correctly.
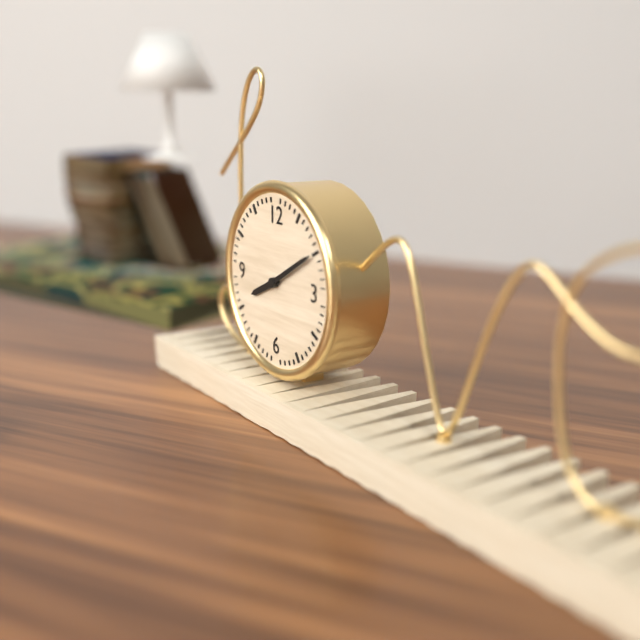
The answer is 8,10
